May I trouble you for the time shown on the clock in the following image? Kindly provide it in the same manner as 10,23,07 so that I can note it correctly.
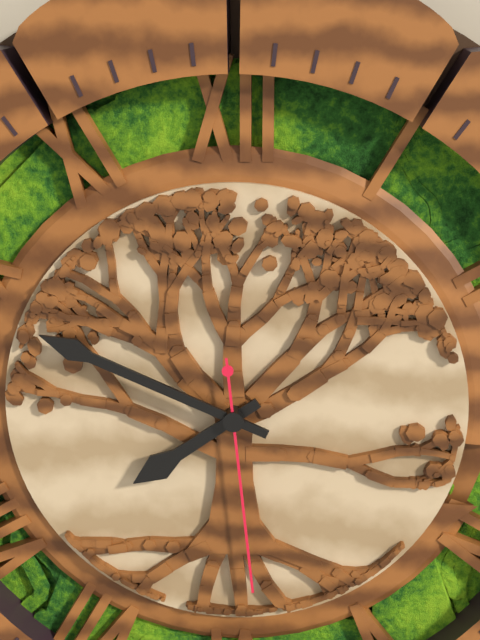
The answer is 7,49,29
